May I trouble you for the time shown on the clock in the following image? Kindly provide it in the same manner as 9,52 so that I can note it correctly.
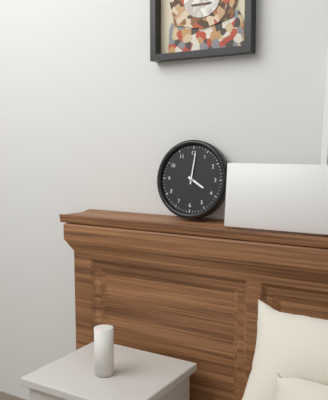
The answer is 4,01
